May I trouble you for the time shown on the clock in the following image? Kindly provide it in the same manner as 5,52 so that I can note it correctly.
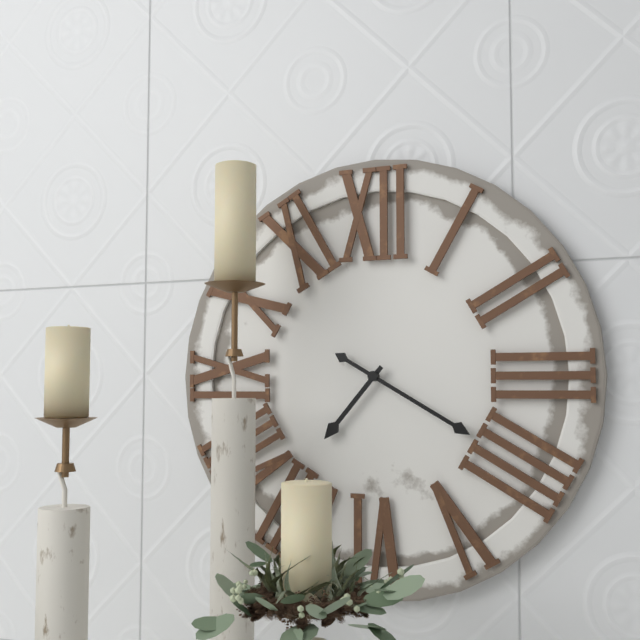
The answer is 7,20
